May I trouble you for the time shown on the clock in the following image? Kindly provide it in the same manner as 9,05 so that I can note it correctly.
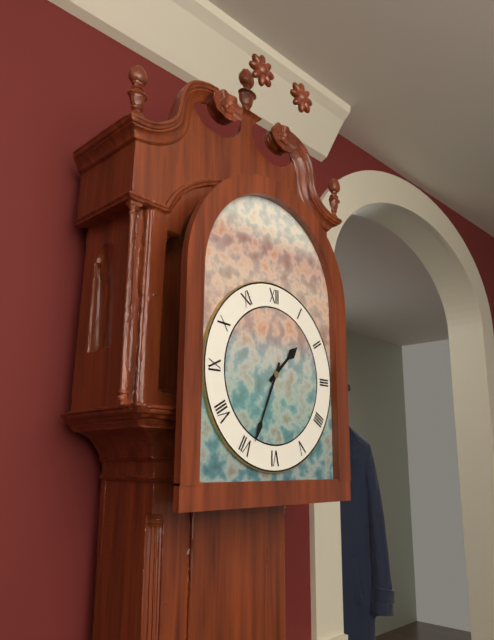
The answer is 1,34
